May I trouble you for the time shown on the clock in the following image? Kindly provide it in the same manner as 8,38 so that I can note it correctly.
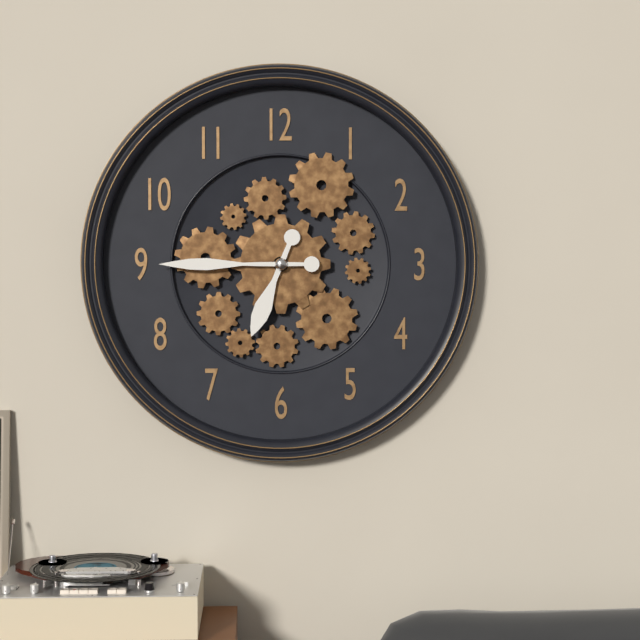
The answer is 6,45
